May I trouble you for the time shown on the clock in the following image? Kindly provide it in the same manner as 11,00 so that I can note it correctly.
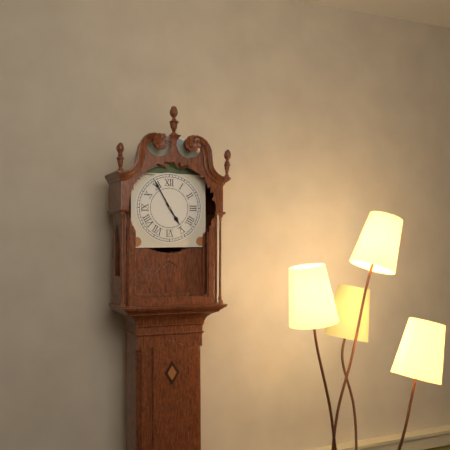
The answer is 4,55
